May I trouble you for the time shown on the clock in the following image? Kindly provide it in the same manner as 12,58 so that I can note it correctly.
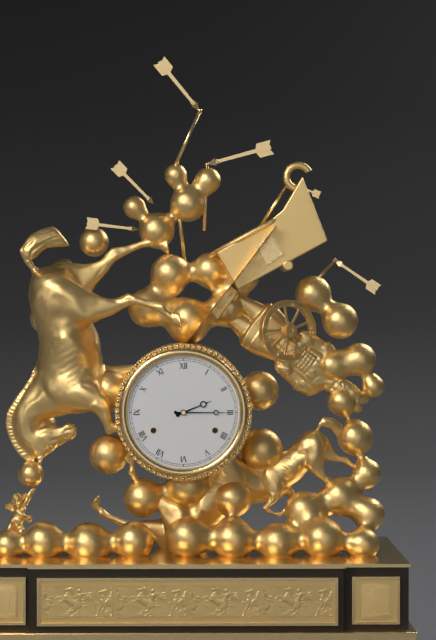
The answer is 2,15
